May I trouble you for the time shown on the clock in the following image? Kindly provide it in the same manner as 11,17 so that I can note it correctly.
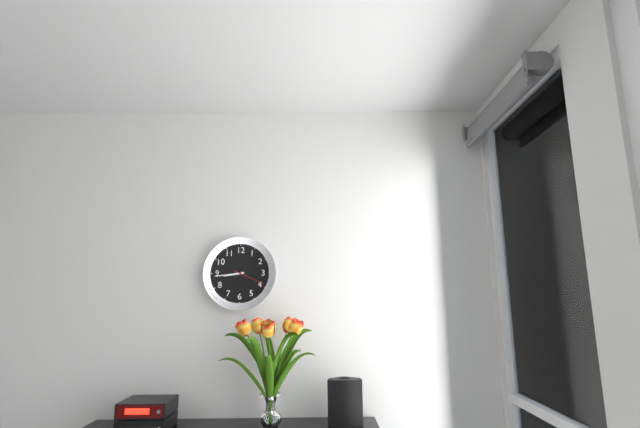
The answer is 8,44
